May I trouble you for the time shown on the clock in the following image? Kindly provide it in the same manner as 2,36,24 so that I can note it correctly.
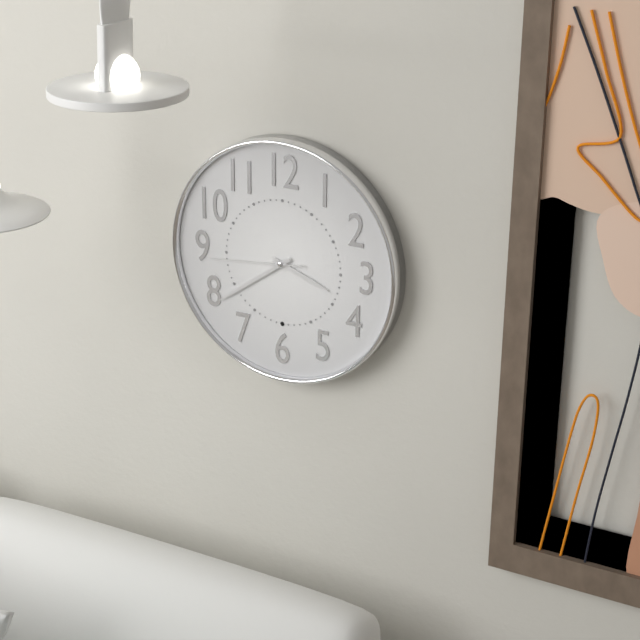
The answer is 3,39,44
